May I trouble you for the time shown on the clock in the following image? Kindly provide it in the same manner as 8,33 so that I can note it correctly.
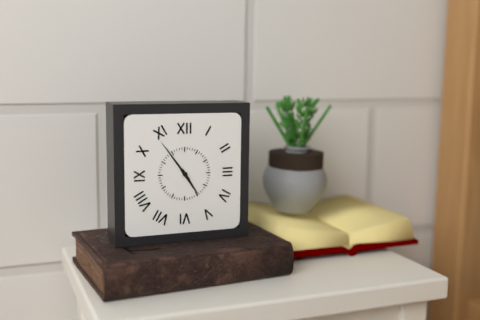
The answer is 4,54
